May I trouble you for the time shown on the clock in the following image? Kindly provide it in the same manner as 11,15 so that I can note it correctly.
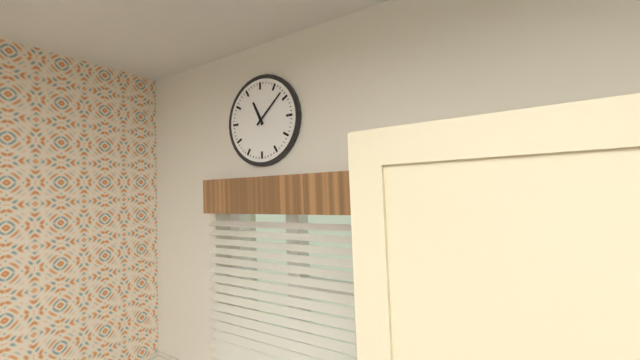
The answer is 11,08
